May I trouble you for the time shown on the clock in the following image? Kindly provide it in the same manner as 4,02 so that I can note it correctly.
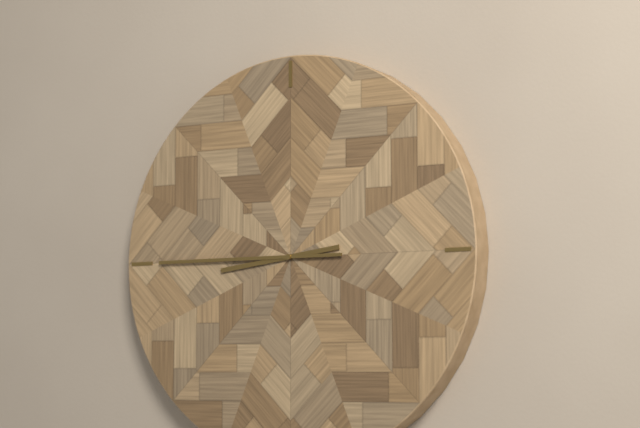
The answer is 8,45
